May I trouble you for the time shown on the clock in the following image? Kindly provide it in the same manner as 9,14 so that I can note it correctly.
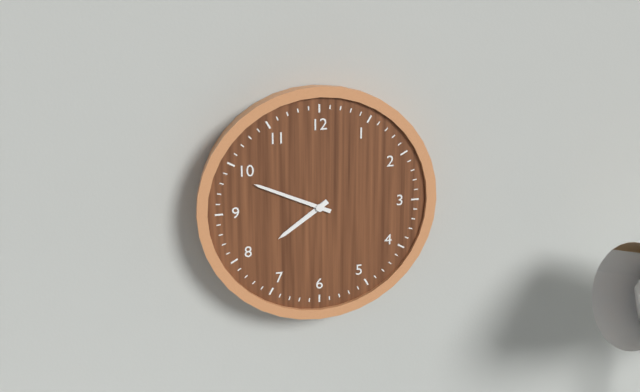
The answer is 7,49
